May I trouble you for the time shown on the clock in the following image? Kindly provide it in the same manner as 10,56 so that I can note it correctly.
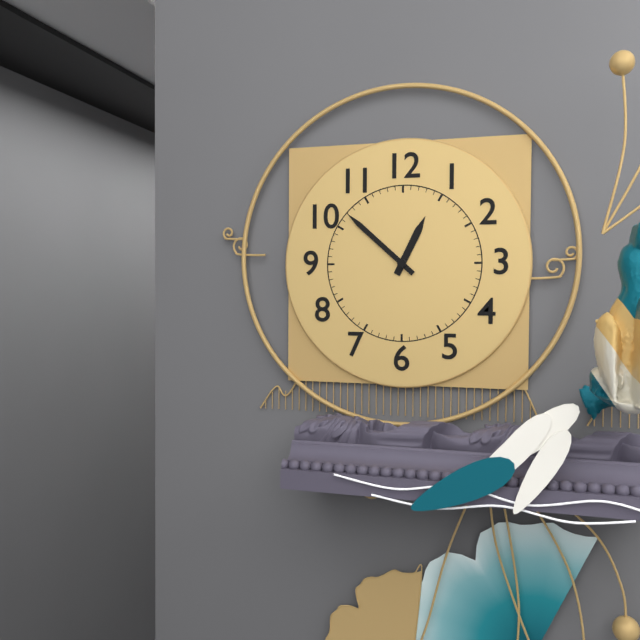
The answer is 12,52
